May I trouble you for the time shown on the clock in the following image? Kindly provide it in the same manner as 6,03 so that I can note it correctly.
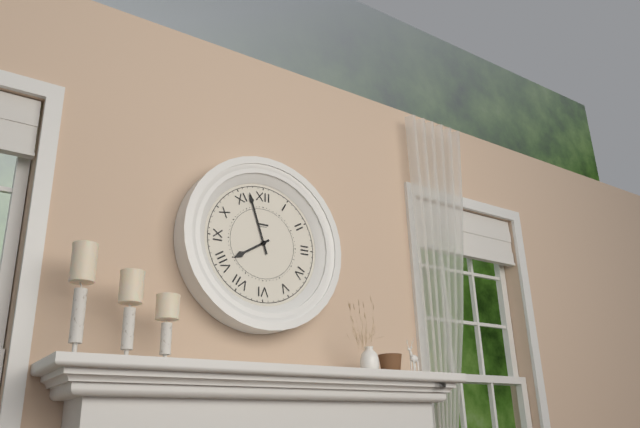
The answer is 7,57
